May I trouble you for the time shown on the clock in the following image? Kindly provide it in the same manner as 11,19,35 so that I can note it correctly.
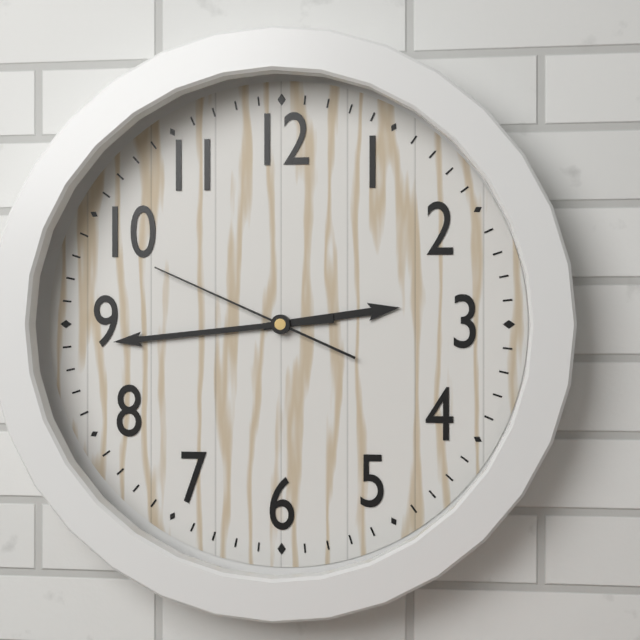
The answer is 2,44,49
